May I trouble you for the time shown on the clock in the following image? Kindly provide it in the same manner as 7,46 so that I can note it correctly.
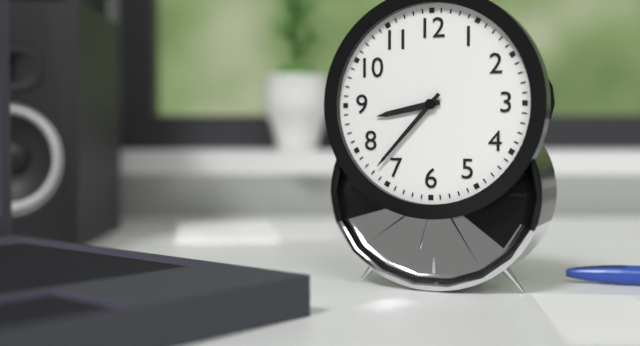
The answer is 8,37
